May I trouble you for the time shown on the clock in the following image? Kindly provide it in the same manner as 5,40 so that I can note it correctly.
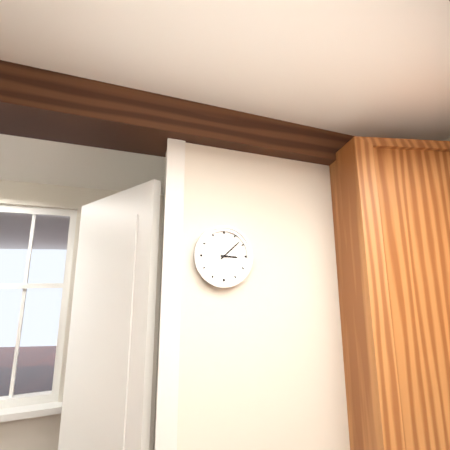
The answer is 3,08
